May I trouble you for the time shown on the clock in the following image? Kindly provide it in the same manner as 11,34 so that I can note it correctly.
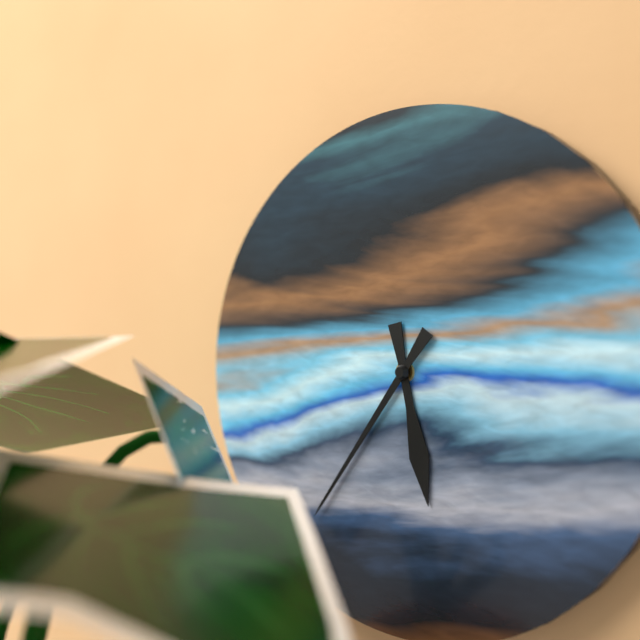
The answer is 5,36
